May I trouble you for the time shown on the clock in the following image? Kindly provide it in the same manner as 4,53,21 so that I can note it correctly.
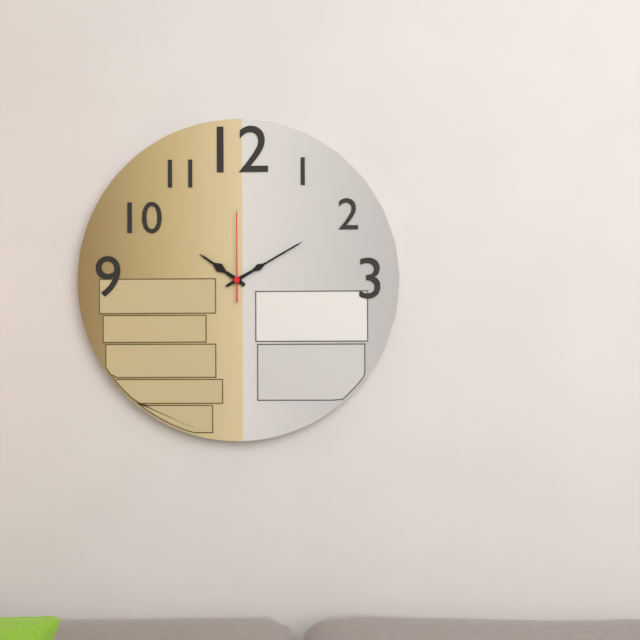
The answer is 10,10,00
